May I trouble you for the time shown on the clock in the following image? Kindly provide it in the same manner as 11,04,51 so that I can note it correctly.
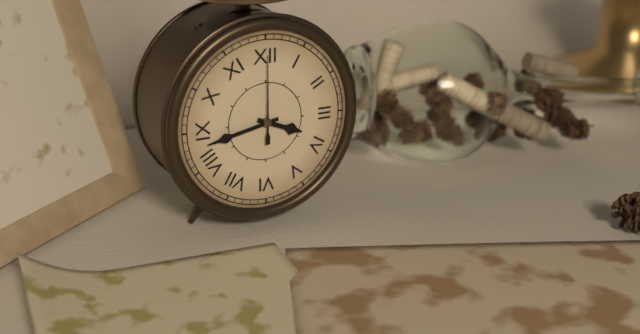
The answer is 3,43,00
